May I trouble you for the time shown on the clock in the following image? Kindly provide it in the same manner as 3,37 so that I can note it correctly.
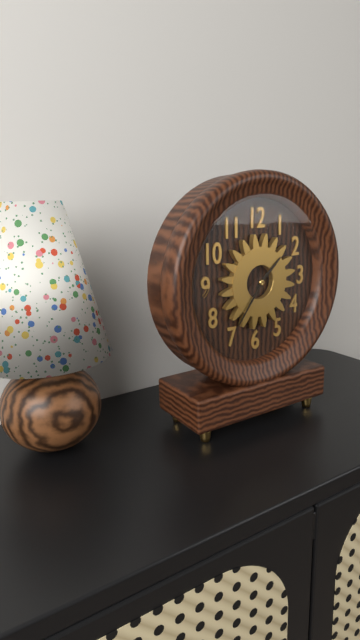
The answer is 1,36
